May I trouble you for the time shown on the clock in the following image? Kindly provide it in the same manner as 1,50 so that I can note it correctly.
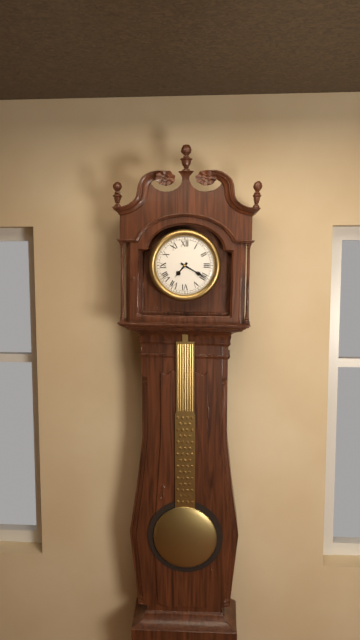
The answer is 7,20
